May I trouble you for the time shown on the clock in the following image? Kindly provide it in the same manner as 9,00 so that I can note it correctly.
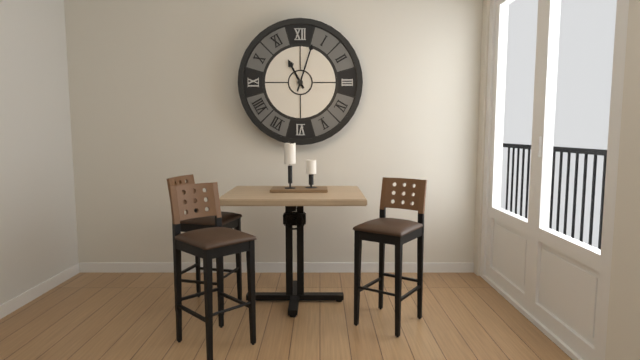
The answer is 11,03
